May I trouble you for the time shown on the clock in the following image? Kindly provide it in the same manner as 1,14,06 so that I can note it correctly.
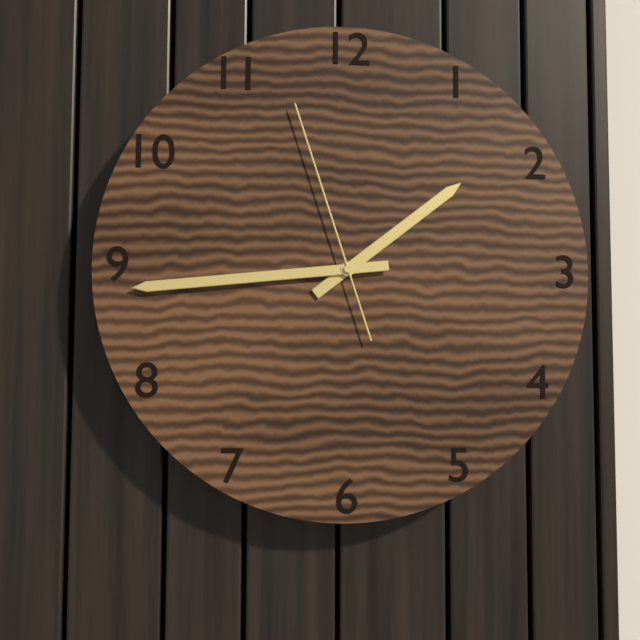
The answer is 1,44,57
